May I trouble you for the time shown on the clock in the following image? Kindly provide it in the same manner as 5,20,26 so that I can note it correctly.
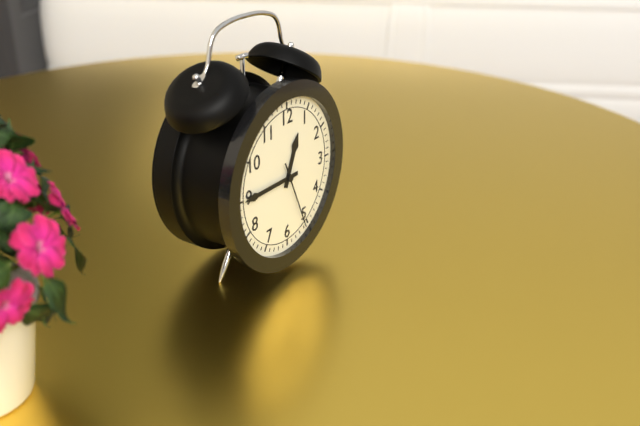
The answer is 12,45,26
